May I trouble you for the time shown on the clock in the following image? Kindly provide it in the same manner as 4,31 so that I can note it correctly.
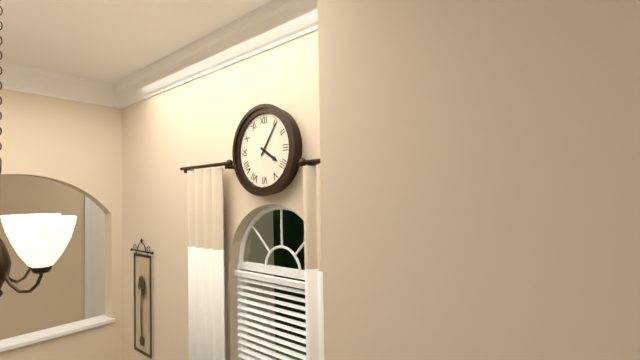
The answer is 4,06
